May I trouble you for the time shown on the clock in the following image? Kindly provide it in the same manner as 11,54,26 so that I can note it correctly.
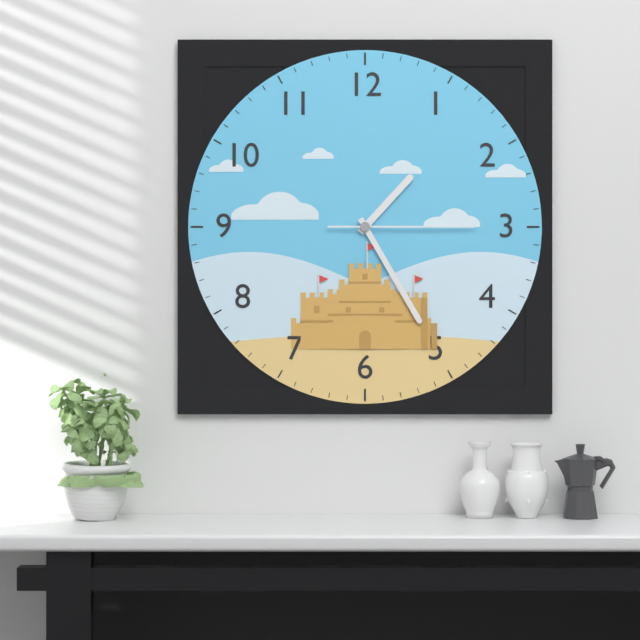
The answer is 1,25,15
